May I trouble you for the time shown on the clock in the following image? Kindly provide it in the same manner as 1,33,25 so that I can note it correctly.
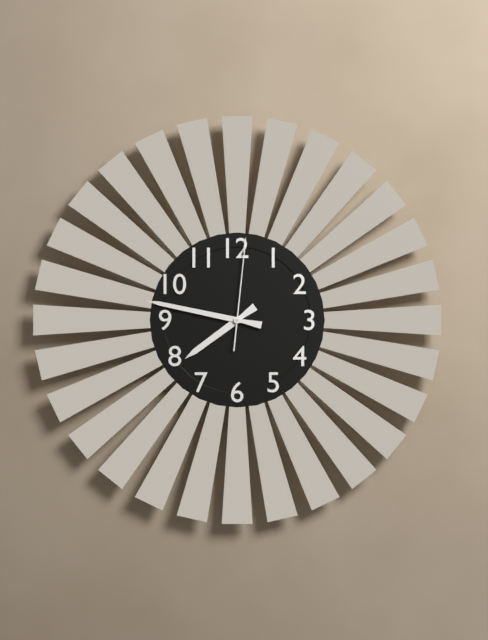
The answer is 7,47,01
